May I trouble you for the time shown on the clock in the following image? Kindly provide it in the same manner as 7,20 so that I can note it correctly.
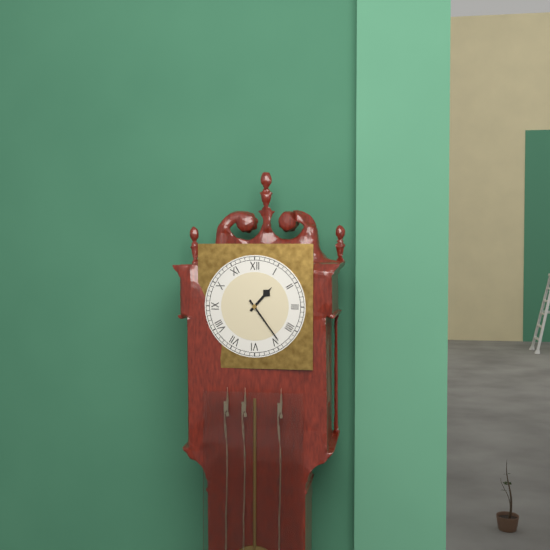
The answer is 1,24
